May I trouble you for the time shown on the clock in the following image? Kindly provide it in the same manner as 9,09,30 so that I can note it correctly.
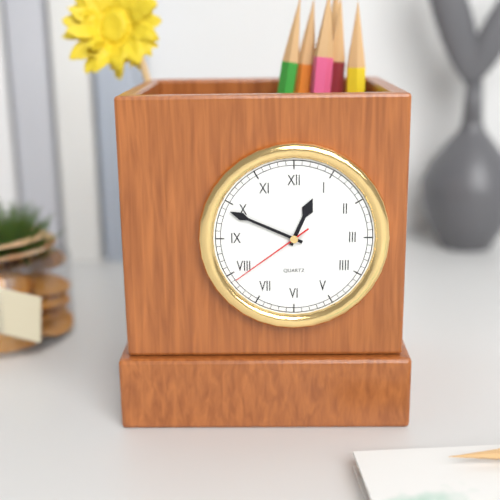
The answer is 12,49,39
